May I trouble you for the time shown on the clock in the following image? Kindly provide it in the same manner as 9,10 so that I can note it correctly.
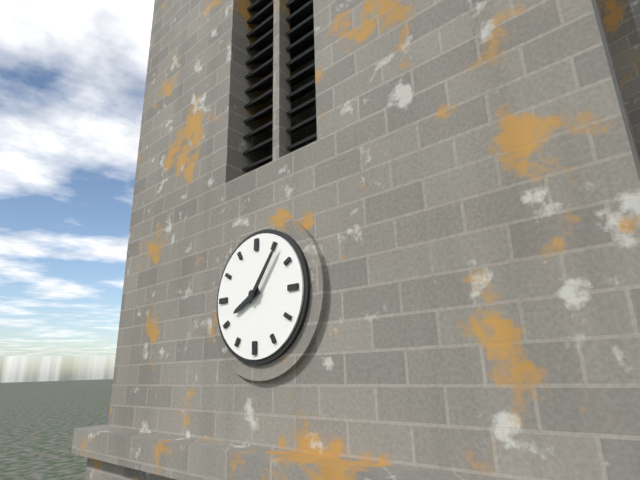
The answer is 8,06
